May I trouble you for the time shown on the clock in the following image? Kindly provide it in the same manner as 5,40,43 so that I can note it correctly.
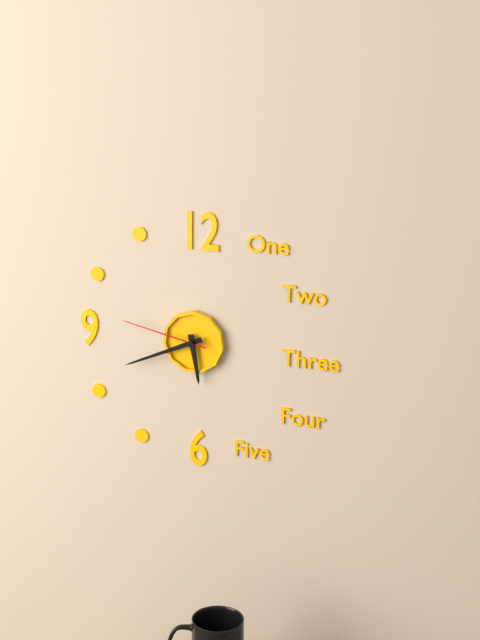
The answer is 5,41,47
